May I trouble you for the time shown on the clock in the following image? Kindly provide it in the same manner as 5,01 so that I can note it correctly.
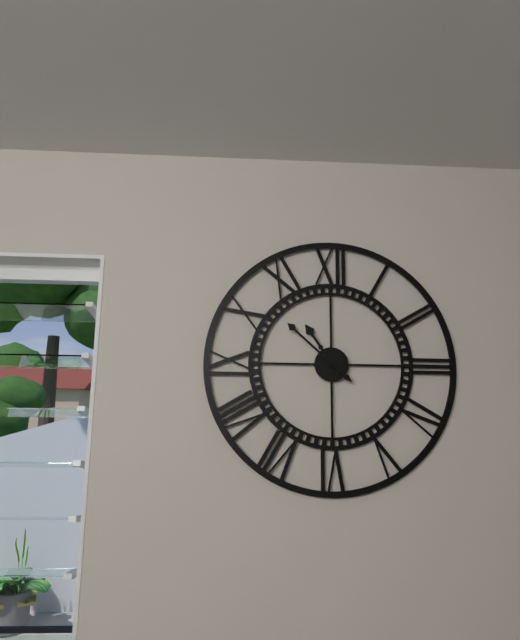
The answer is 10,52
